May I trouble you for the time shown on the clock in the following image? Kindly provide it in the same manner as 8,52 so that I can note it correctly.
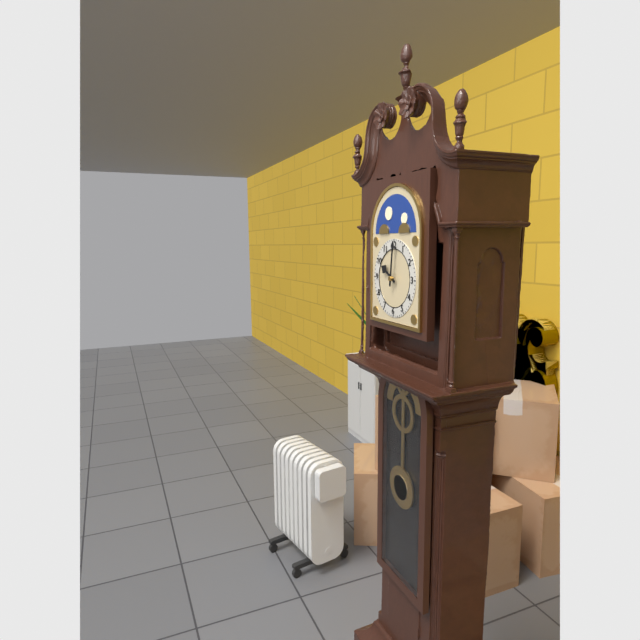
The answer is 10,01
